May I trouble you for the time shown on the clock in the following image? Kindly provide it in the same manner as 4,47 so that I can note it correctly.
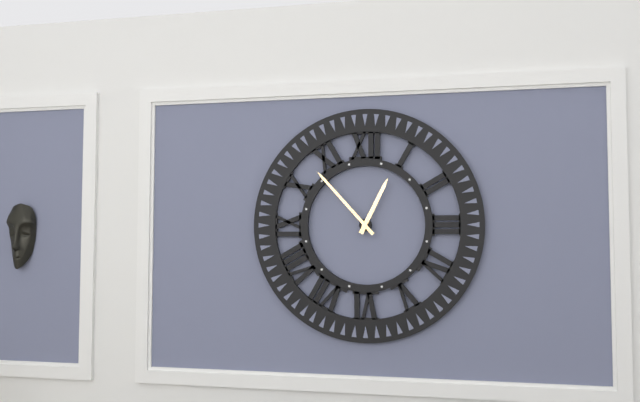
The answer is 12,53
